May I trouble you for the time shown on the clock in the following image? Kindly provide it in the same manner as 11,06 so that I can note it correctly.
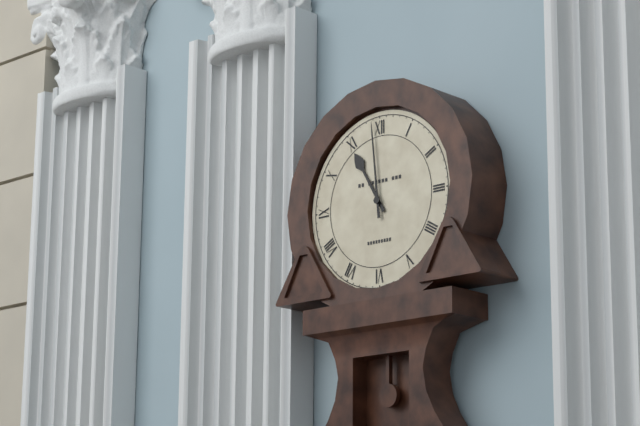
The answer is 10,59
